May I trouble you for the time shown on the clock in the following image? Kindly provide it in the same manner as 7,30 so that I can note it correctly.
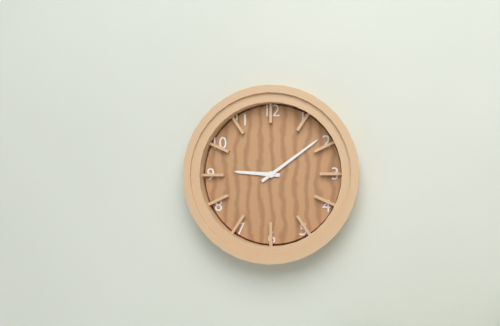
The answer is 9,09
